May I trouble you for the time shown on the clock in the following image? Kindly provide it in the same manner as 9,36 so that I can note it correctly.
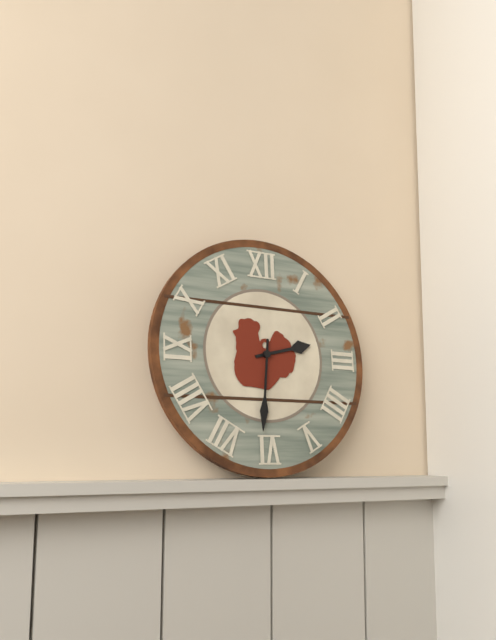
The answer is 2,31
